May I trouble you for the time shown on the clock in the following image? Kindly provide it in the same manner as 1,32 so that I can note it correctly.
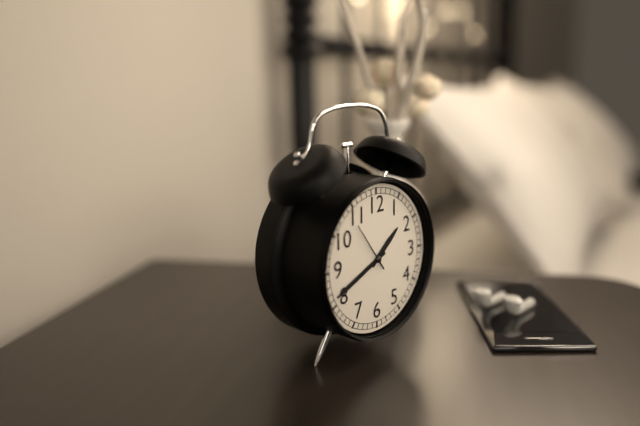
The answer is 1,41
